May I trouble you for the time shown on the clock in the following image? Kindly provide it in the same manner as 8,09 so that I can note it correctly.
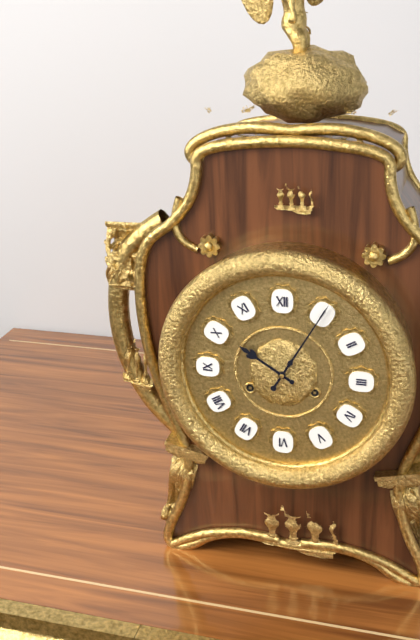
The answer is 10,05
